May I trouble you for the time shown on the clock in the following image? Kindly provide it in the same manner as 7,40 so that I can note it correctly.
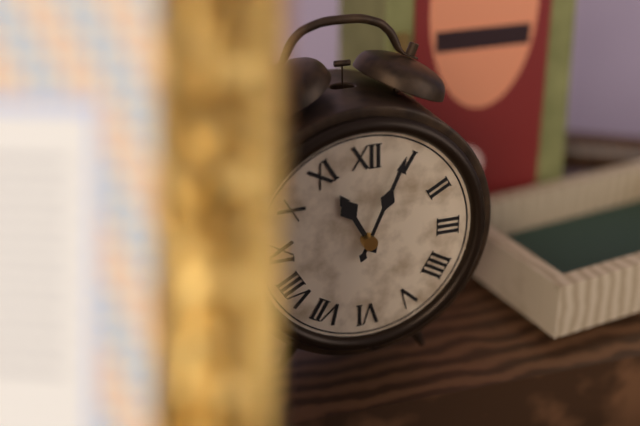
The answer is 11,04
